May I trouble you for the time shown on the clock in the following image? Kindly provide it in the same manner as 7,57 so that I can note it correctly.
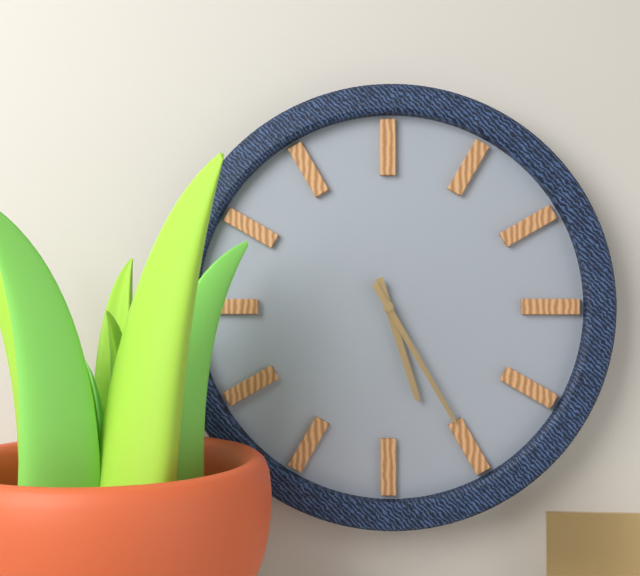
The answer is 5,25
